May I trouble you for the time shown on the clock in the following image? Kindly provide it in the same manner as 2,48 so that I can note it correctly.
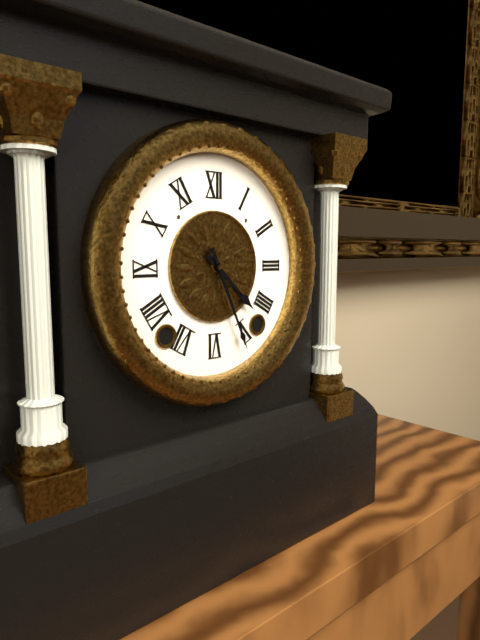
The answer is 4,26
